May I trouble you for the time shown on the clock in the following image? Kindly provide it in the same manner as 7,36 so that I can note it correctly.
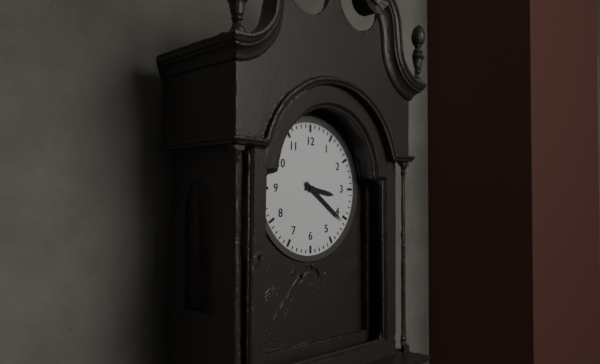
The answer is 3,21
